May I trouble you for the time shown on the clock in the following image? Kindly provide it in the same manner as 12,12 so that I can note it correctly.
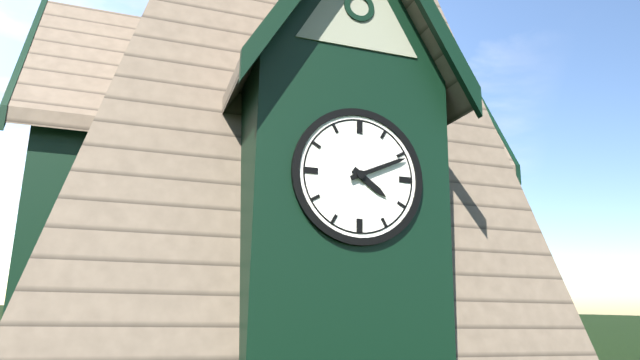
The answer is 4,11
